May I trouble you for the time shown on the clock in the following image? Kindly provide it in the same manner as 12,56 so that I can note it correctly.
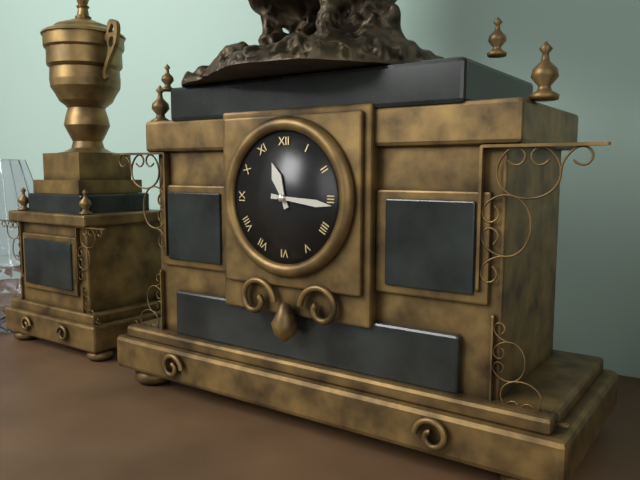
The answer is 11,16
